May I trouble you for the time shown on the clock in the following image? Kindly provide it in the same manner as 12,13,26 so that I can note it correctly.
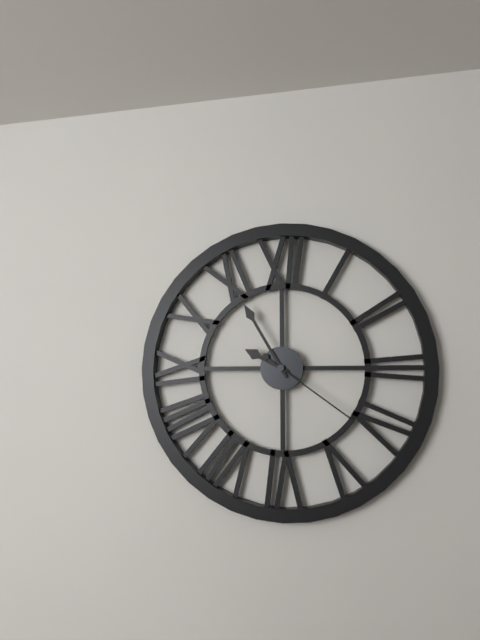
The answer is 9,55,21
